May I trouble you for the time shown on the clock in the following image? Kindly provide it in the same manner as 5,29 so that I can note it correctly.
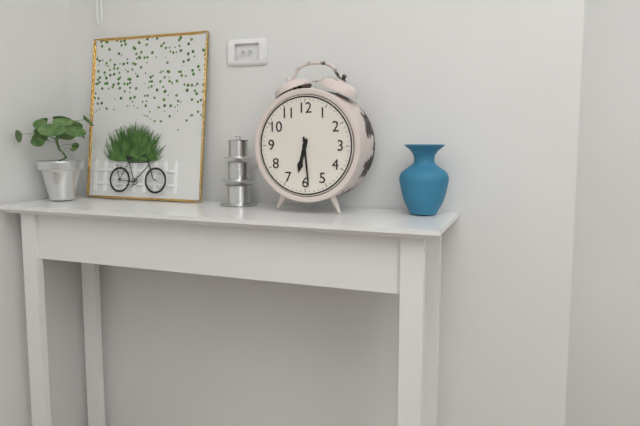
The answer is 6,29
